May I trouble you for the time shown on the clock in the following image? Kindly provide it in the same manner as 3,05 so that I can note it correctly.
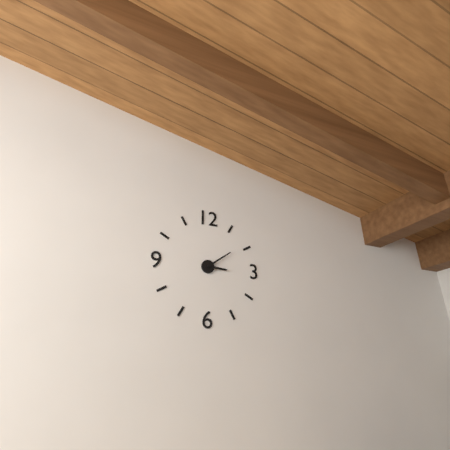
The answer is 3,09
